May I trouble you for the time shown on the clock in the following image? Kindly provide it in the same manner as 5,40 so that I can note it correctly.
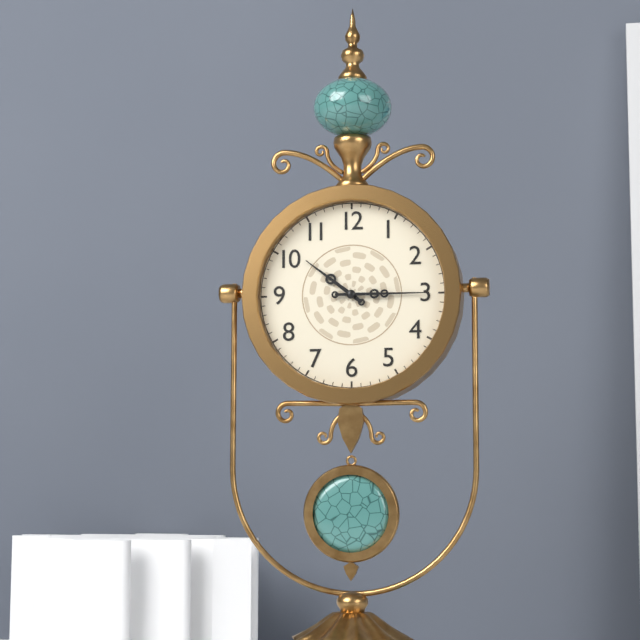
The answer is 10,15
